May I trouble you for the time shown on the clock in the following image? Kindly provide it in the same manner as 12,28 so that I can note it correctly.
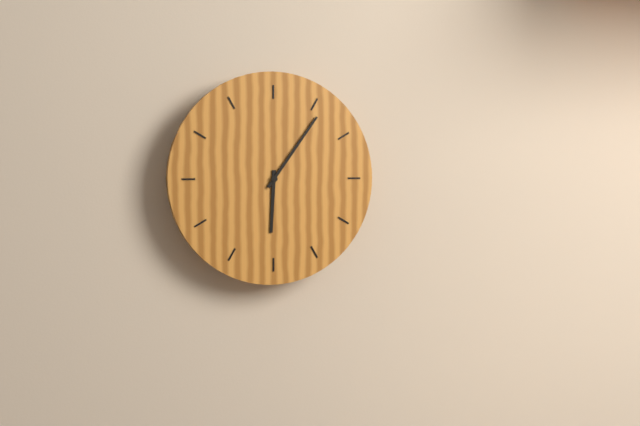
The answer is 6,06
